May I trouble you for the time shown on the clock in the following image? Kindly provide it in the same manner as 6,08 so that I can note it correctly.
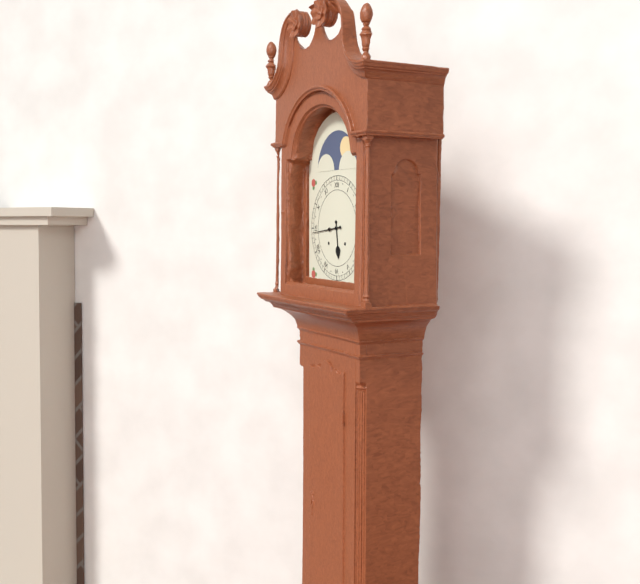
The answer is 5,44
